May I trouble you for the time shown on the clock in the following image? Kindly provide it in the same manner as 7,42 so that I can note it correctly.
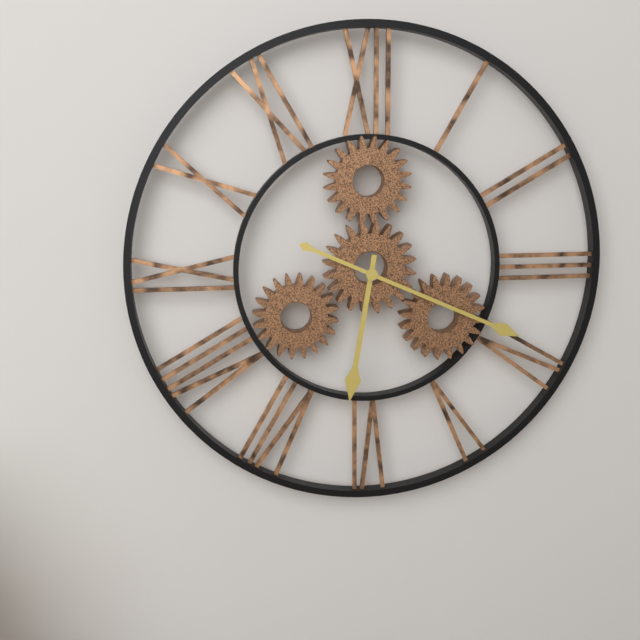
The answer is 6,19
